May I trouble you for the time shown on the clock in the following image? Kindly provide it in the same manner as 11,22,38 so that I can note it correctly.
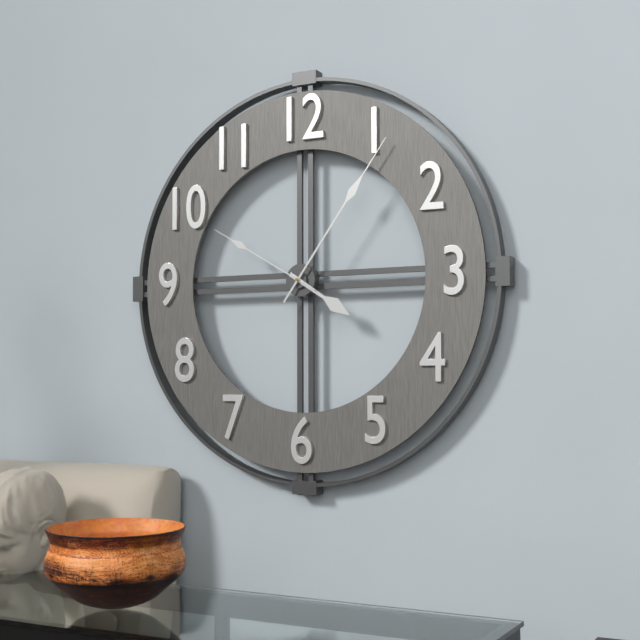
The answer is 4,06,50
